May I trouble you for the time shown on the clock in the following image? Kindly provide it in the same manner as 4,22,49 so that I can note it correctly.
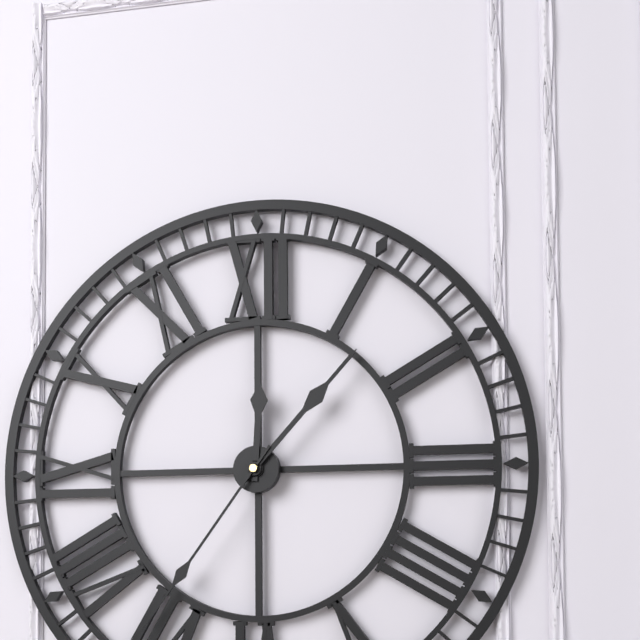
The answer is 12,07,36
